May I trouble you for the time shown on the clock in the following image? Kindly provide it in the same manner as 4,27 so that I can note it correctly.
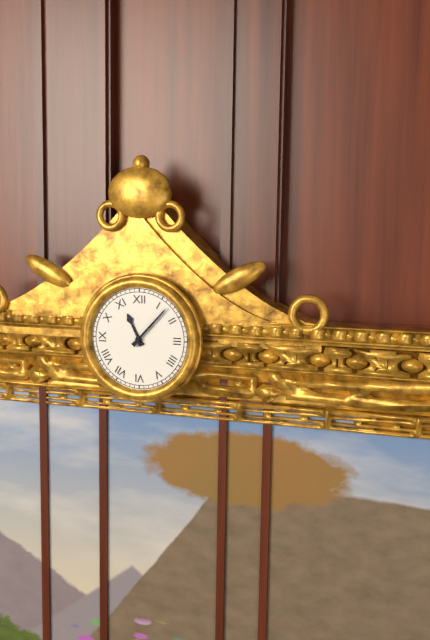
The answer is 11,07
